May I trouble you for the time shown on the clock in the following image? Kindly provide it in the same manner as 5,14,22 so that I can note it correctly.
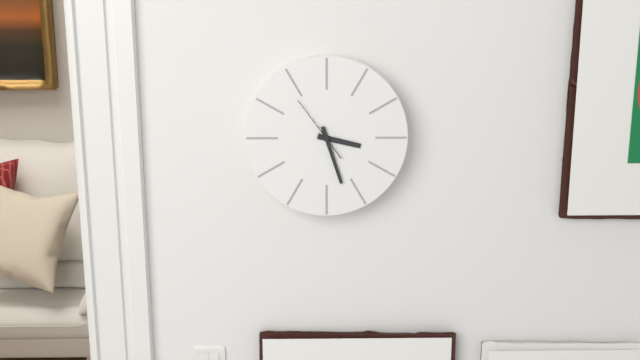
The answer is 3,27,54
